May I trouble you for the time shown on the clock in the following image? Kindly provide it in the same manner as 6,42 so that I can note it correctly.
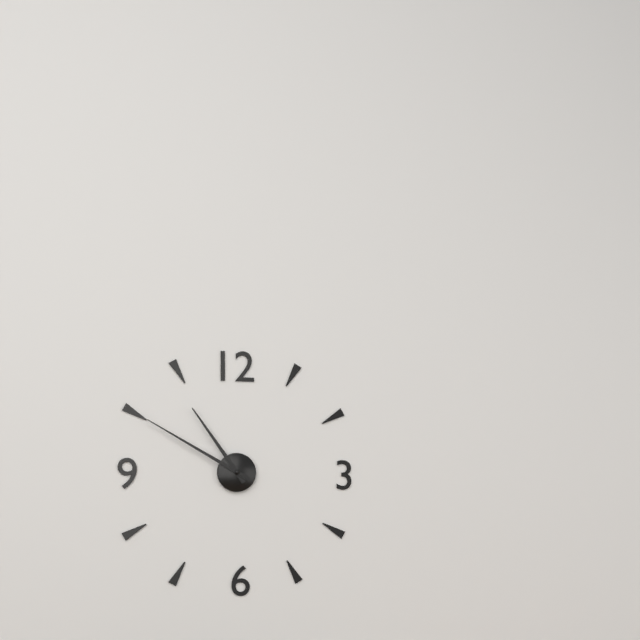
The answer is 10,50
